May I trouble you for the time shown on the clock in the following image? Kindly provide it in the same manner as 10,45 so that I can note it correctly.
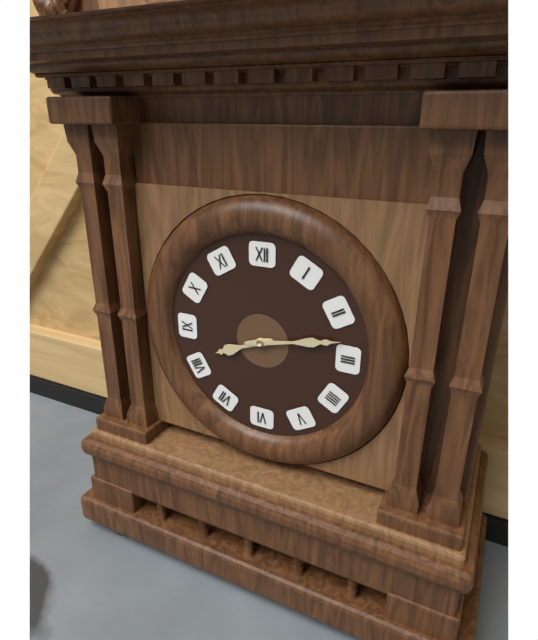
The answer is 8,13
